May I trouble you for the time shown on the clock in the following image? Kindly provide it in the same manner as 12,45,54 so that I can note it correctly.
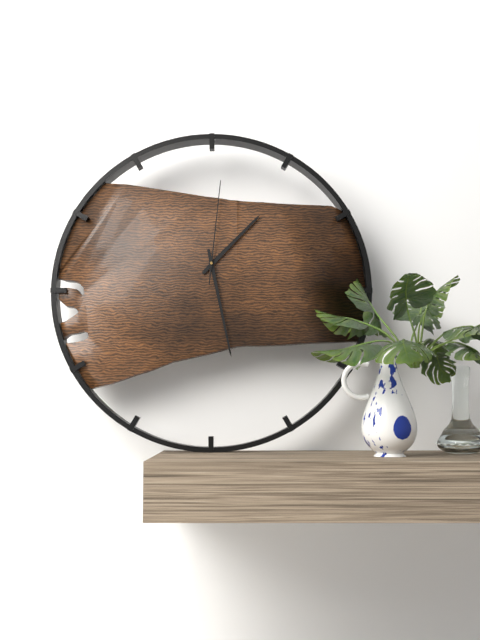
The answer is 1,28,01
